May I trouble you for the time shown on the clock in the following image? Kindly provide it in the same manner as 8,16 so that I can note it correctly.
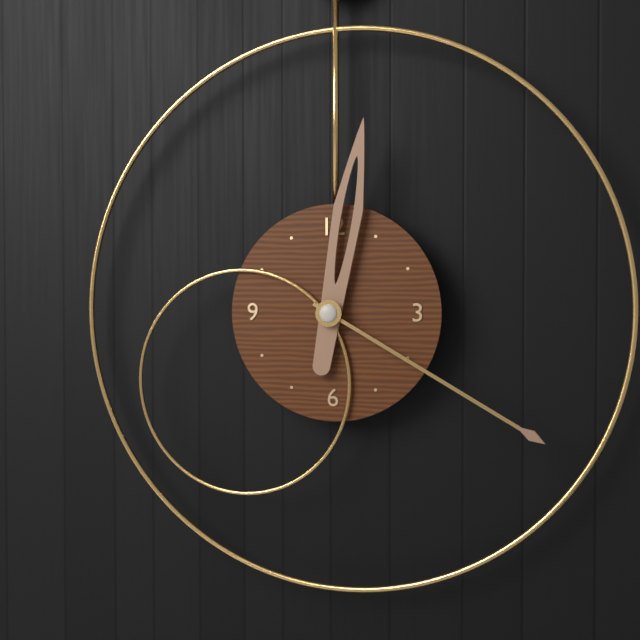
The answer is 12,20
